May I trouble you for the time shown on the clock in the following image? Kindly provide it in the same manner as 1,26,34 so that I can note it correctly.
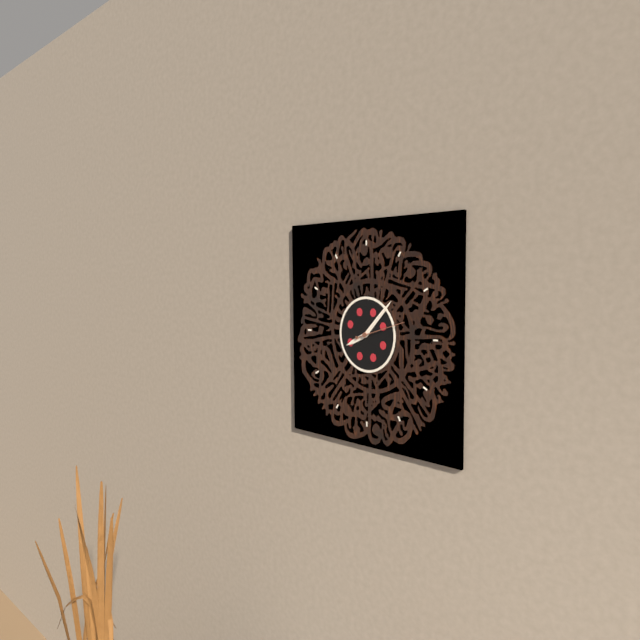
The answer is 8,07,12
